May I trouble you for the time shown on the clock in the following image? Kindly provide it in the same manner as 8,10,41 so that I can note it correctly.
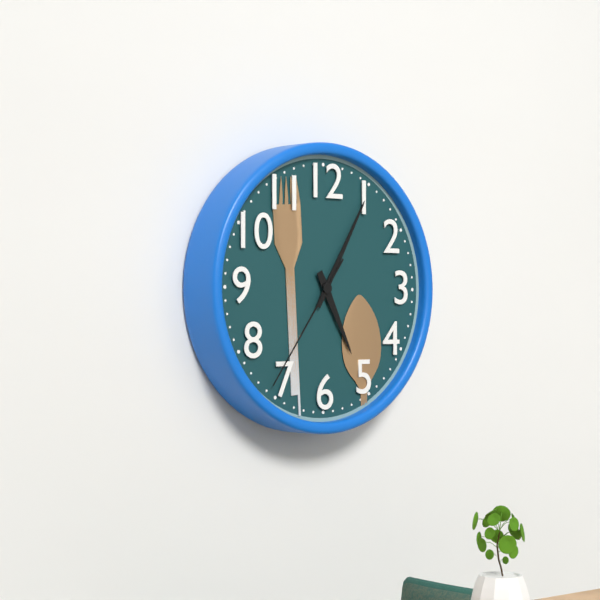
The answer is 5,05,36
